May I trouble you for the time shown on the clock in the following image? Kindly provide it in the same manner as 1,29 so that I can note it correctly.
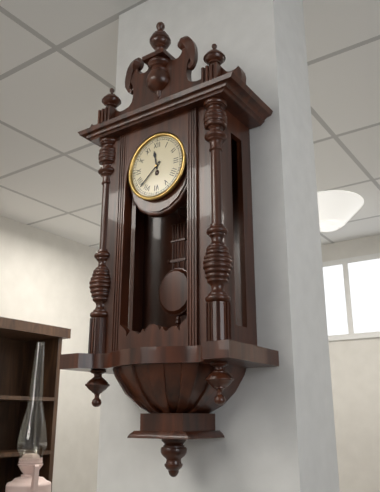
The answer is 11,38
